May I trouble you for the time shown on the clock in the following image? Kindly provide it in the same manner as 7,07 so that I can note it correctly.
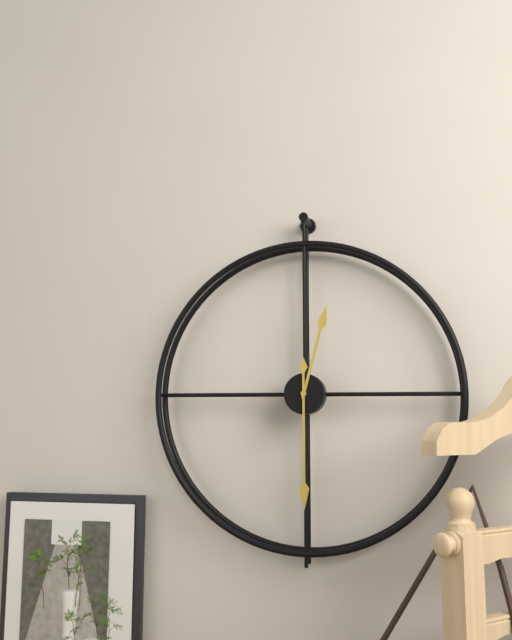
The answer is 12,30
